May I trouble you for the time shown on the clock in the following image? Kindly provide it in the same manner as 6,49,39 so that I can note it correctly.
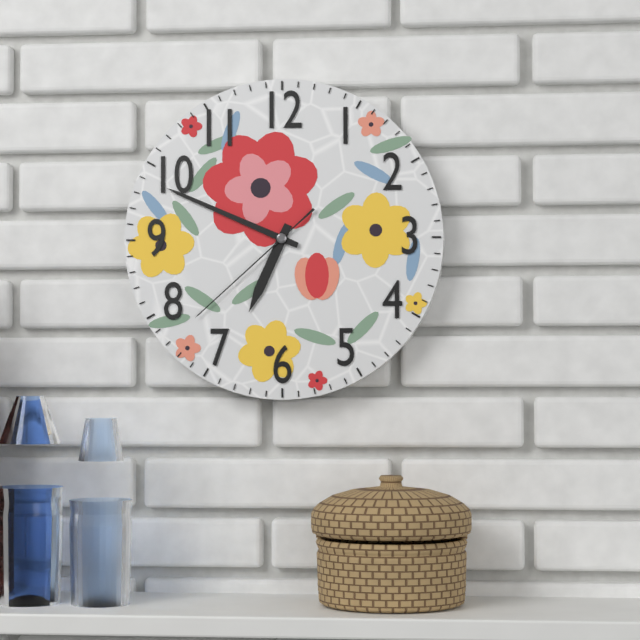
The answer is 6,49,38
